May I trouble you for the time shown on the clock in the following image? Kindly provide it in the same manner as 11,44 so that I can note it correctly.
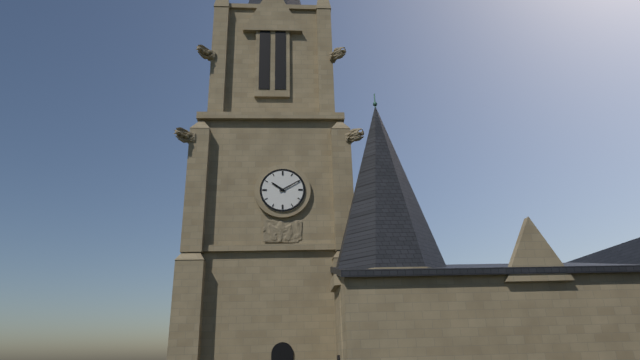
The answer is 10,10
